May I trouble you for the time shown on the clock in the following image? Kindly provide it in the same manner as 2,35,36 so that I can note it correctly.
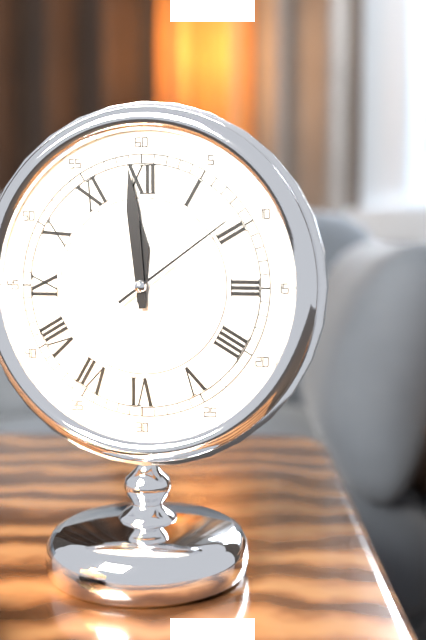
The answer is 11,59,09
